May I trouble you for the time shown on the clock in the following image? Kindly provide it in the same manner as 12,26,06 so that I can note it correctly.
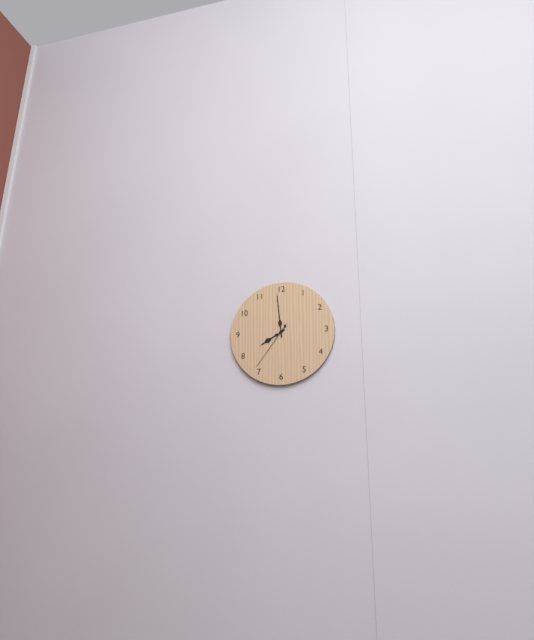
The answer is 7,59,36
